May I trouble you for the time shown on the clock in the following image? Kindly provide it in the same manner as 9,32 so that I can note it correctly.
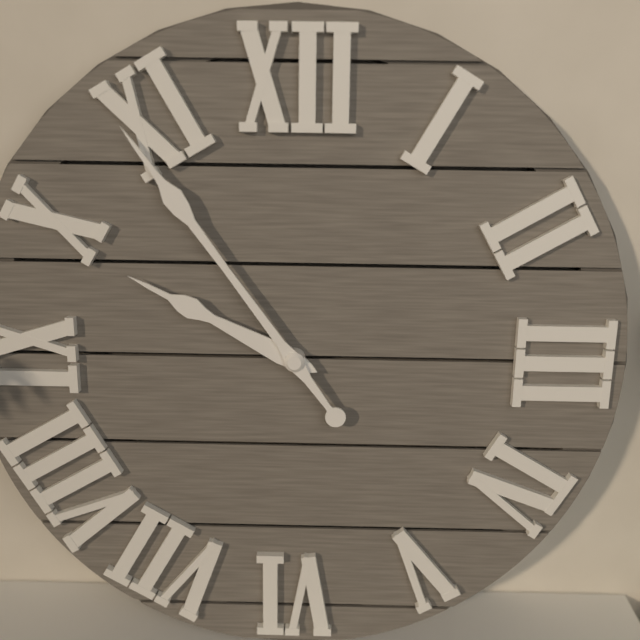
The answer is 9,54
